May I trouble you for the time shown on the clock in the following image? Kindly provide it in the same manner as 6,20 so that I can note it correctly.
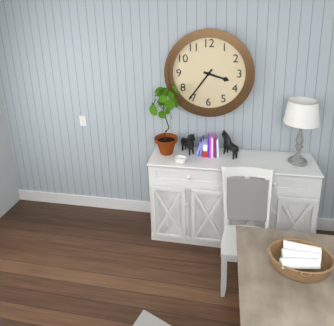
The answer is 3,36
